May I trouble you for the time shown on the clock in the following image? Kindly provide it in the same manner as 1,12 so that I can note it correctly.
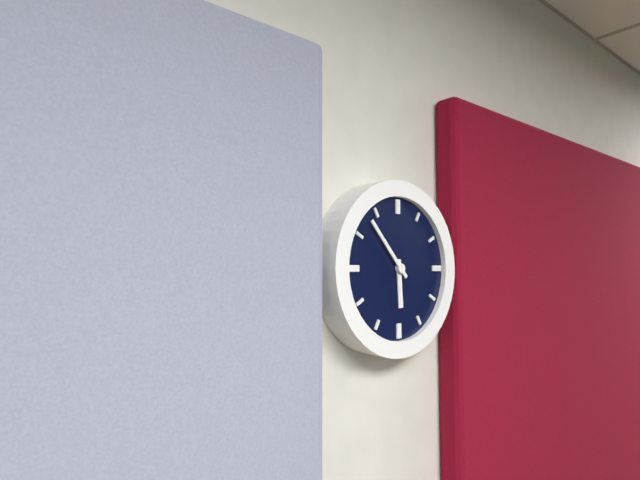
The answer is 5,53
